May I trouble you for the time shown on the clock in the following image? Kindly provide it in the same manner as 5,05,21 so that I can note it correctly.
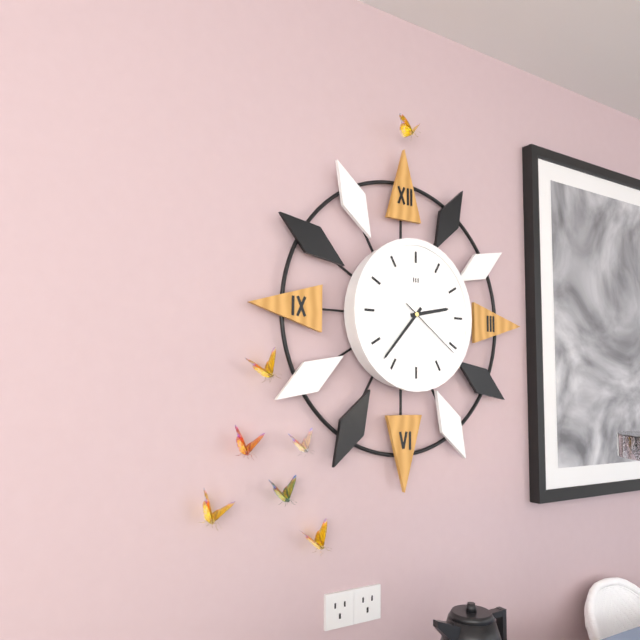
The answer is 2,37,21
